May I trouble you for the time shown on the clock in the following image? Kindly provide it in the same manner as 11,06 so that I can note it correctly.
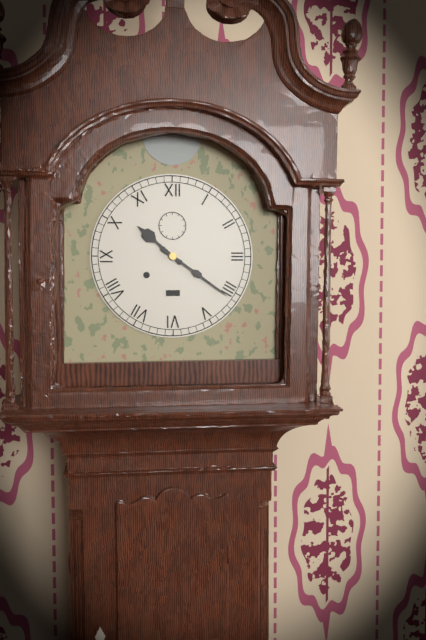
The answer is 10,21
